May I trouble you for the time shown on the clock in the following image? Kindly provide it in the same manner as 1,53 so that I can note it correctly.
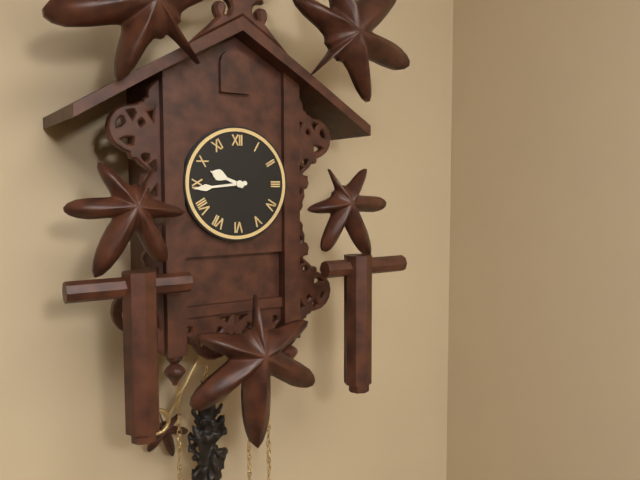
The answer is 9,44
